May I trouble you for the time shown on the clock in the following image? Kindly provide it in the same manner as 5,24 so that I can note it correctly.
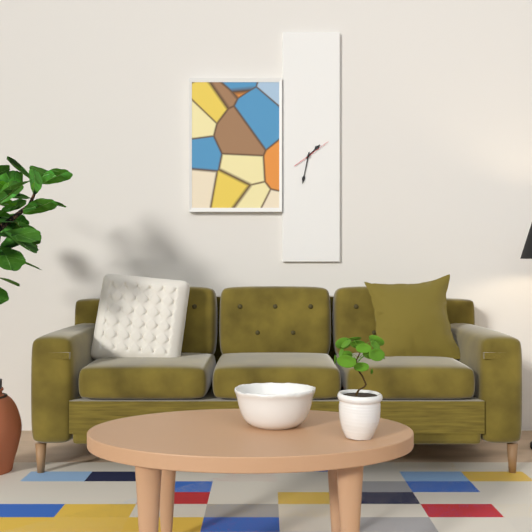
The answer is 1,32
